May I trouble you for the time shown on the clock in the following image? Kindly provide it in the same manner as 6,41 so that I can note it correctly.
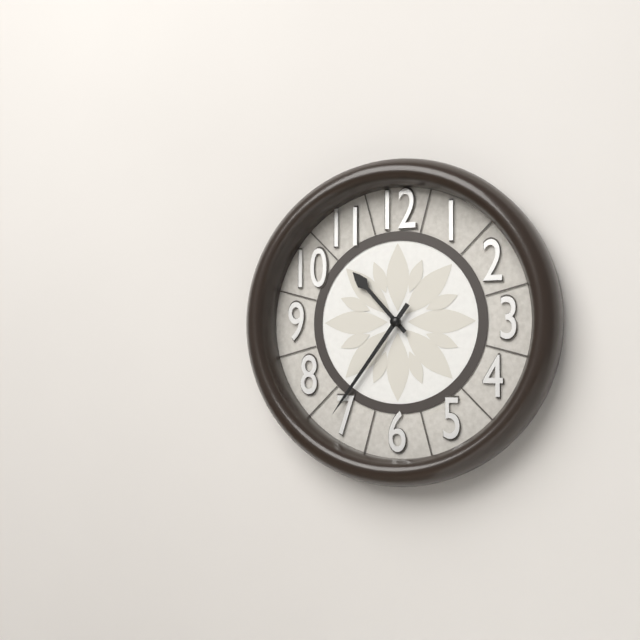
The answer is 10,36
